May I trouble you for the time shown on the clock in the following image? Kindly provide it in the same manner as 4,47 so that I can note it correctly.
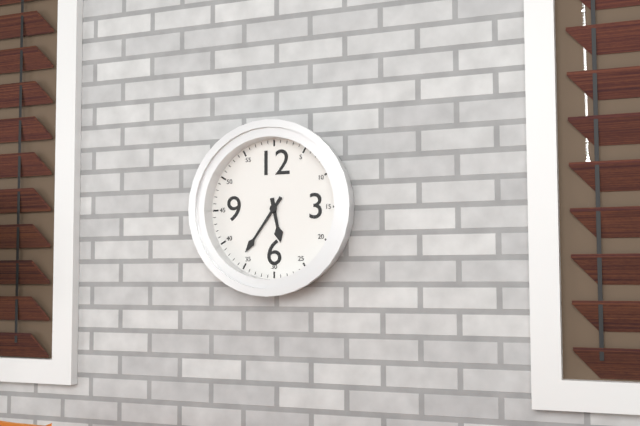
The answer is 5,36
